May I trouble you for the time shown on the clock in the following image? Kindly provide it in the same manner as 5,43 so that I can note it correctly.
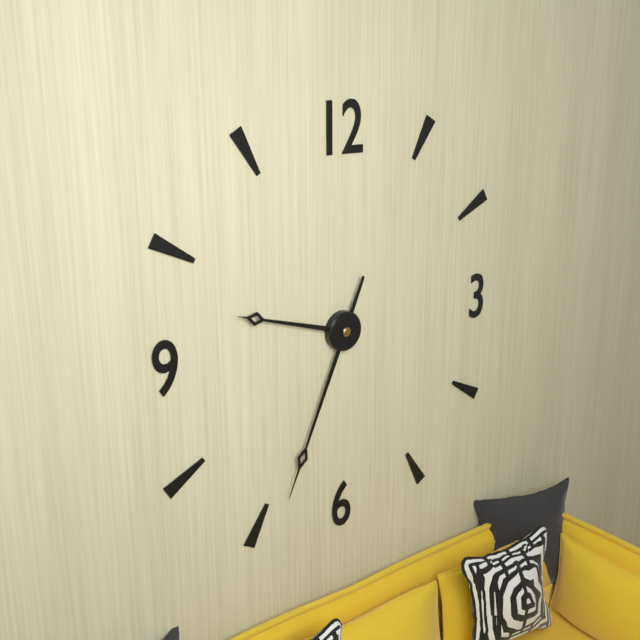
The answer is 9,34
